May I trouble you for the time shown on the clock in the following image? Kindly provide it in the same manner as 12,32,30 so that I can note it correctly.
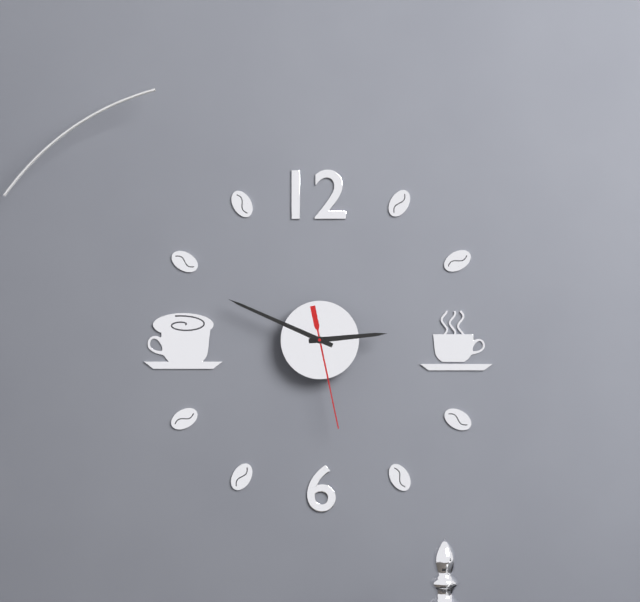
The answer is 2,49,28
